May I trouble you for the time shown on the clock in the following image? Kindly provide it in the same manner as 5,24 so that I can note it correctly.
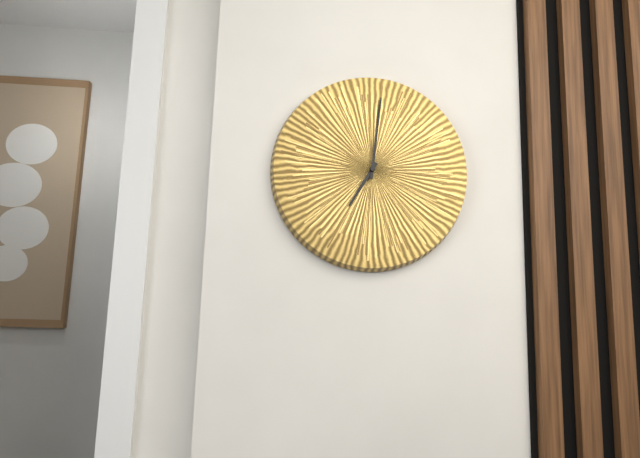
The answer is 7,01
